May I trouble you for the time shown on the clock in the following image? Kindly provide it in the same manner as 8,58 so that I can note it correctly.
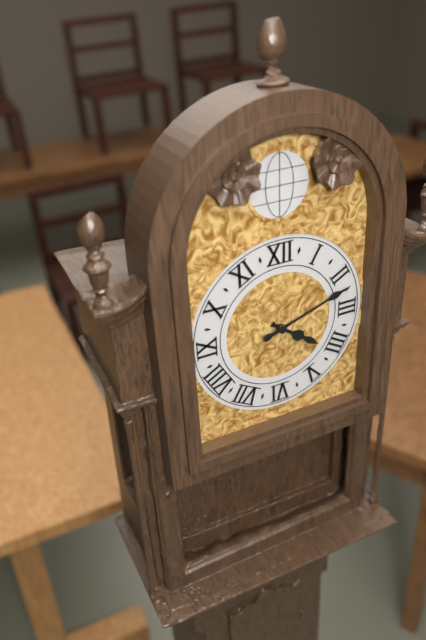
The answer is 4,12
